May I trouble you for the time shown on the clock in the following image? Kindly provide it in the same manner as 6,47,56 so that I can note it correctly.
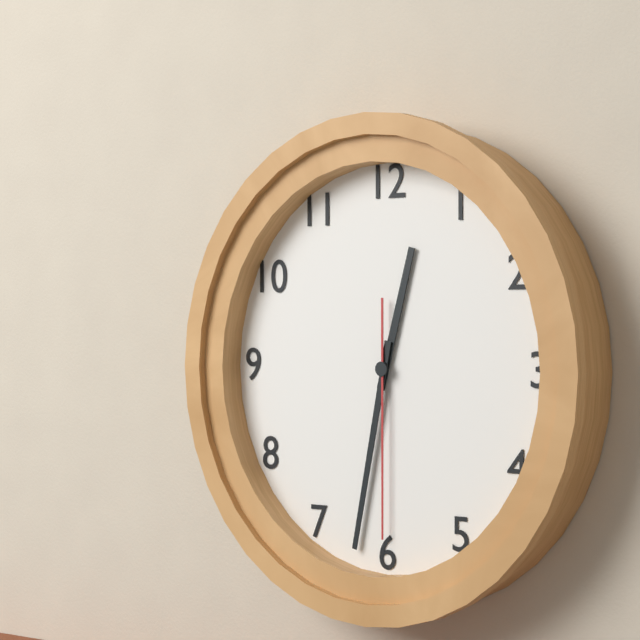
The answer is 12,32,30
